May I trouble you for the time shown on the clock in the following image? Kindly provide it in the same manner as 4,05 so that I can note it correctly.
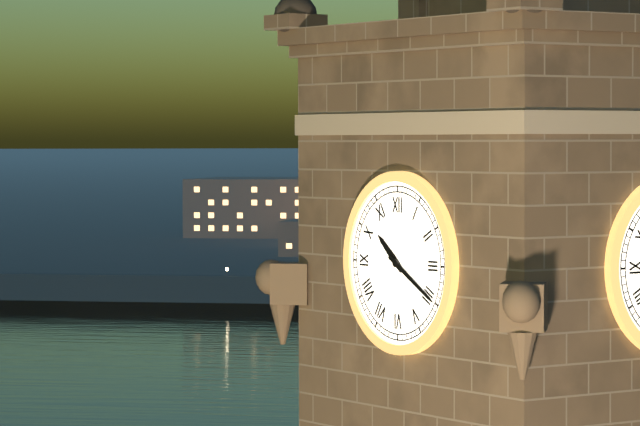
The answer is 10,20
